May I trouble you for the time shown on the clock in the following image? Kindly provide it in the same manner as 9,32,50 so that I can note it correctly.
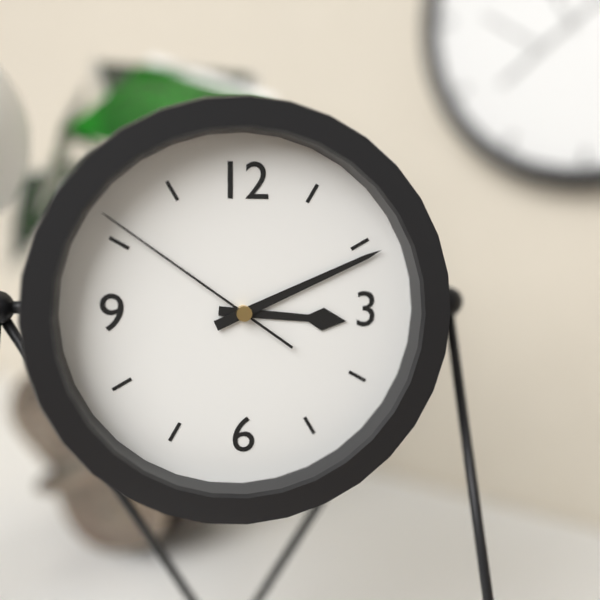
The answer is 3,11,51
